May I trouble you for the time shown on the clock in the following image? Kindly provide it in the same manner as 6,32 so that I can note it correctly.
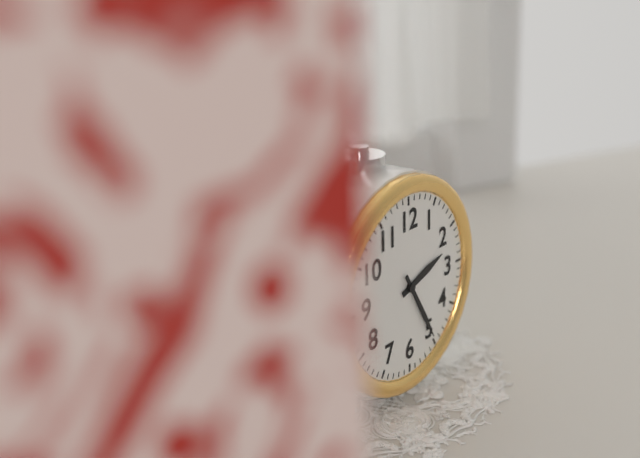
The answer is 2,25
